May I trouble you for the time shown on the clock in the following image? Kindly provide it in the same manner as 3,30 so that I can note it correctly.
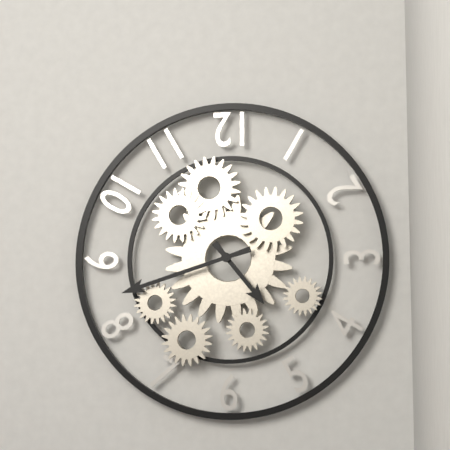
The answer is 4,42
